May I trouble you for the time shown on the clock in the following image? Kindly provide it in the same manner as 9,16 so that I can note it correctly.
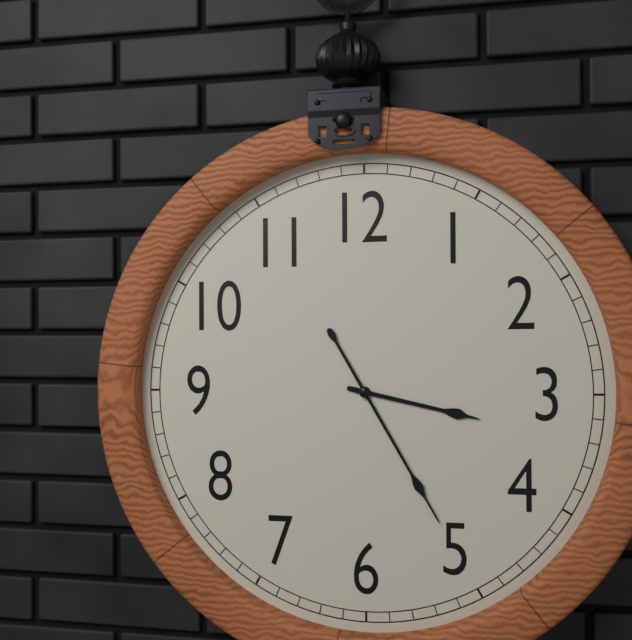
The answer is 3,25
